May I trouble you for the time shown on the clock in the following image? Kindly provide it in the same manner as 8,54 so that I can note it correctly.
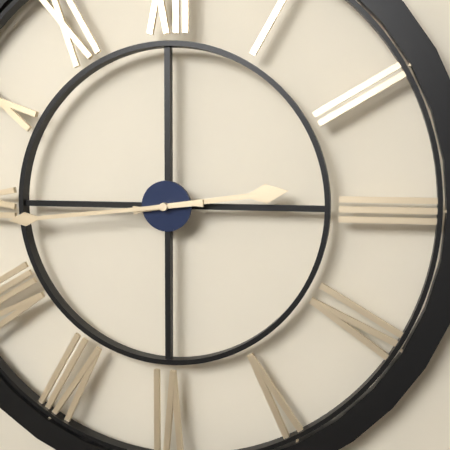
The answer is 2,44
